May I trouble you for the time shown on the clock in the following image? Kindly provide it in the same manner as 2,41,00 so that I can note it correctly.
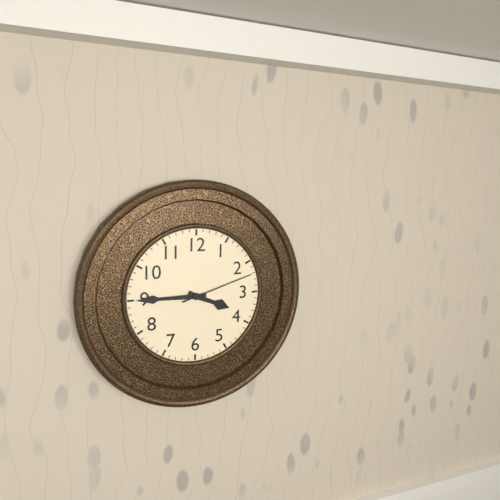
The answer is 3,45,12
